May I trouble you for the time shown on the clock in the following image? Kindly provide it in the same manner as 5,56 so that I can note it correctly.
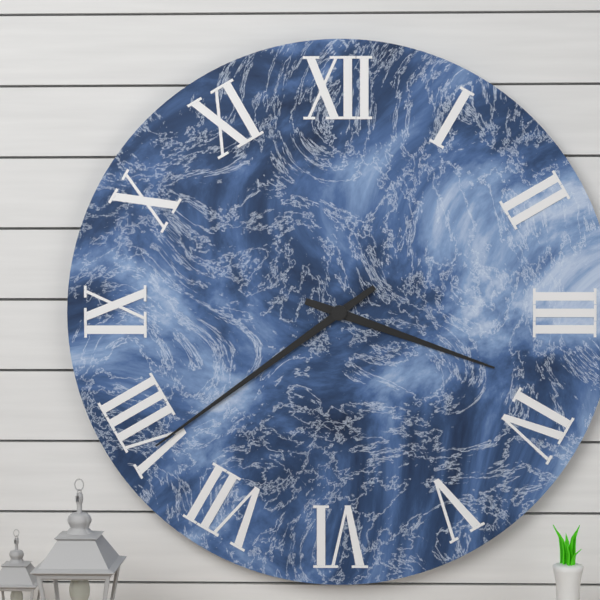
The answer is 3,39
